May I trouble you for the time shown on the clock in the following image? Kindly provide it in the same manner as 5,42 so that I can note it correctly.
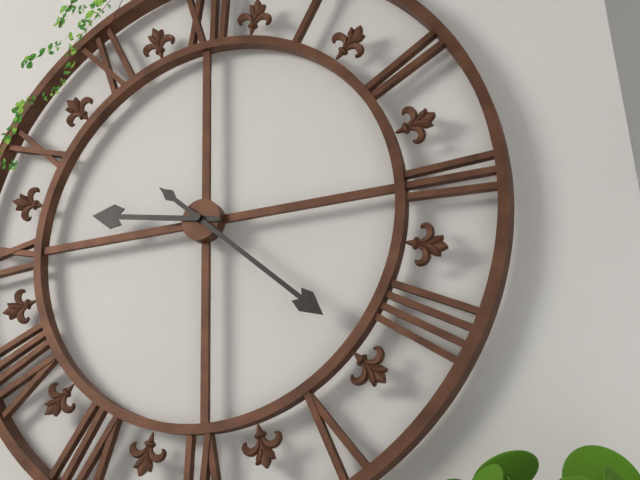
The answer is 9,22
